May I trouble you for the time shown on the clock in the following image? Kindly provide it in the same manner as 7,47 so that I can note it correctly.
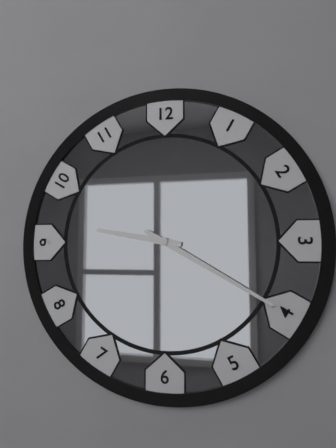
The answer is 9,20
